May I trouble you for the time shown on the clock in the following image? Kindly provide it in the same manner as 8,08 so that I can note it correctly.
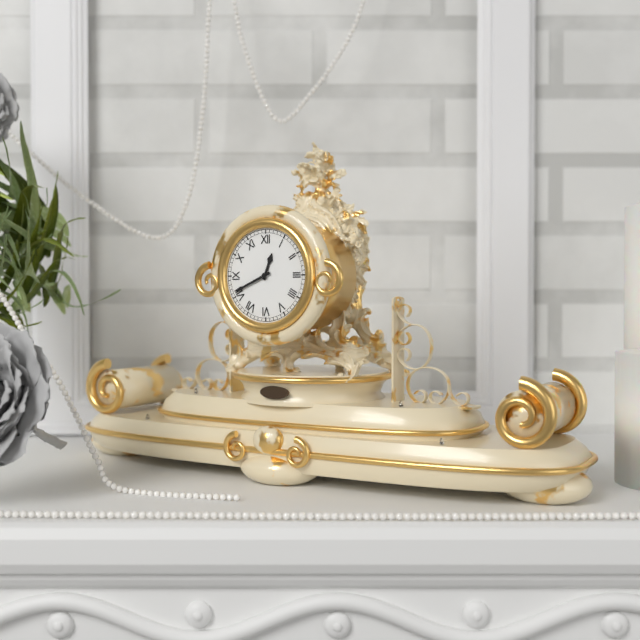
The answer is 12,41
